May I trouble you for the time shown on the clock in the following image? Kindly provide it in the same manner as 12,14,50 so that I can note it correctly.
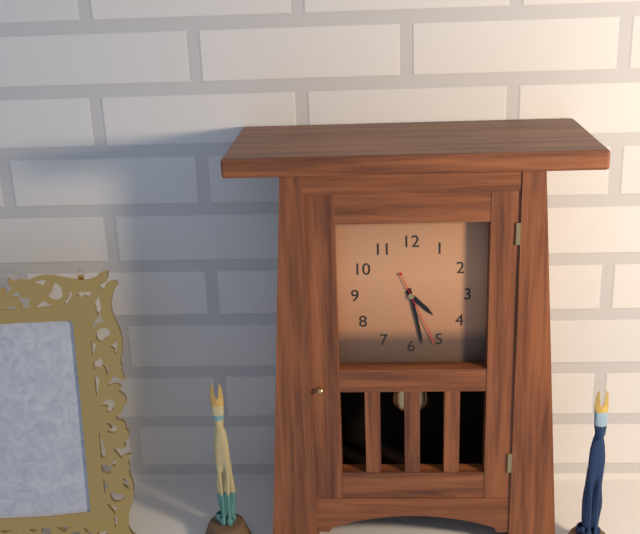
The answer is 4,28,26
